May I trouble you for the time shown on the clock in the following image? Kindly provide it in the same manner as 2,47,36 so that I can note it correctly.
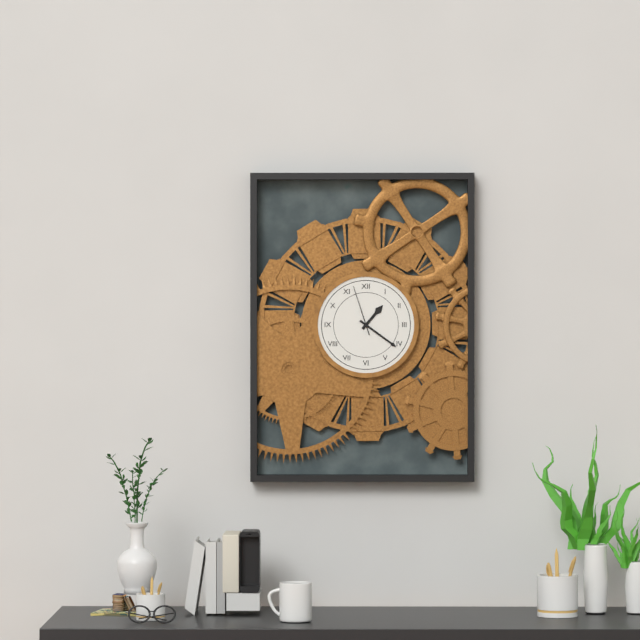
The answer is 1,21,57
